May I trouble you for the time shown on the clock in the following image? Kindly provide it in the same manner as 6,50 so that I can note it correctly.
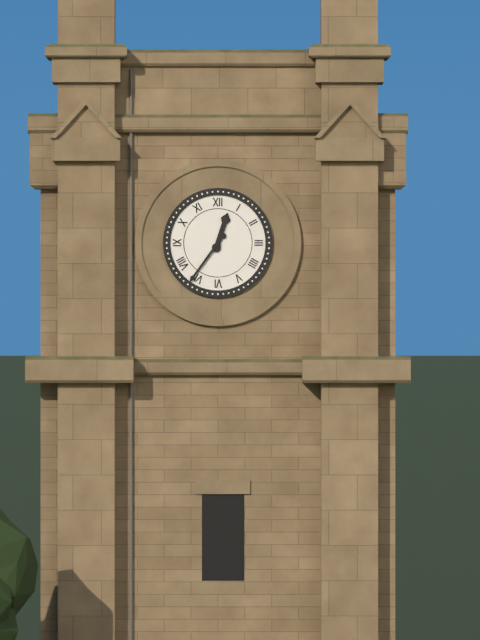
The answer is 12,36
